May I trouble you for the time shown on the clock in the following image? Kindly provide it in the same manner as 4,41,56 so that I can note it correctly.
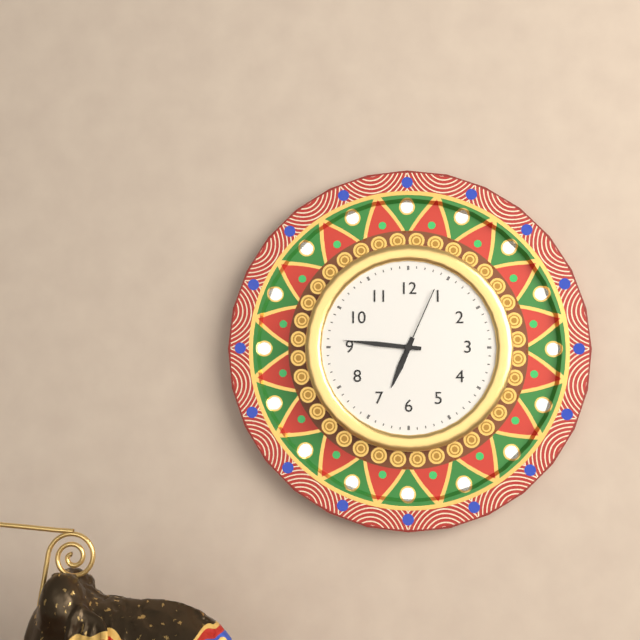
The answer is 6,46,04
